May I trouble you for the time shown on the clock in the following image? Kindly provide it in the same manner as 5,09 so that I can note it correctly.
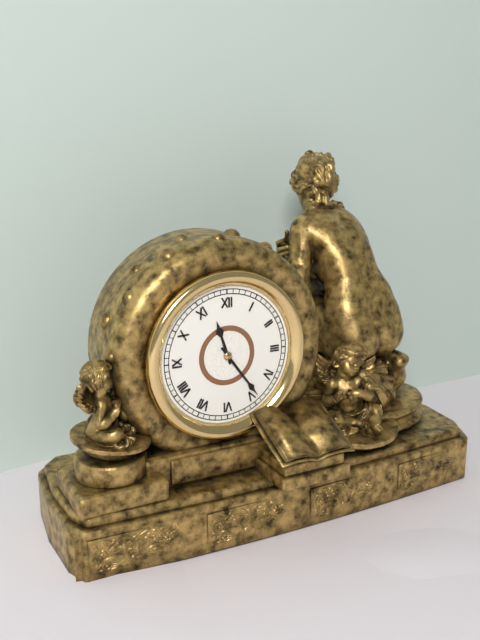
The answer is 11,24
